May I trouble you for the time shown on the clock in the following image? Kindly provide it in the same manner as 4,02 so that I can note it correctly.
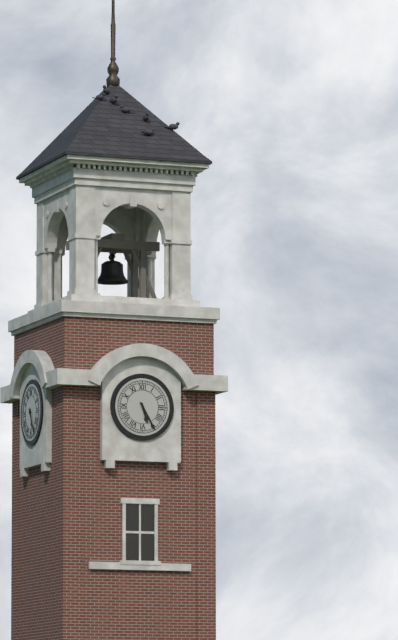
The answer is 5,25
